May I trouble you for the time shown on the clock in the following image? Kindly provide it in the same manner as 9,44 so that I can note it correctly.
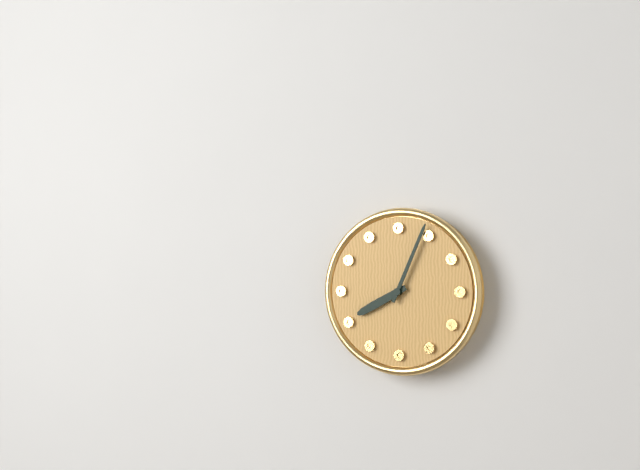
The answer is 8,04
